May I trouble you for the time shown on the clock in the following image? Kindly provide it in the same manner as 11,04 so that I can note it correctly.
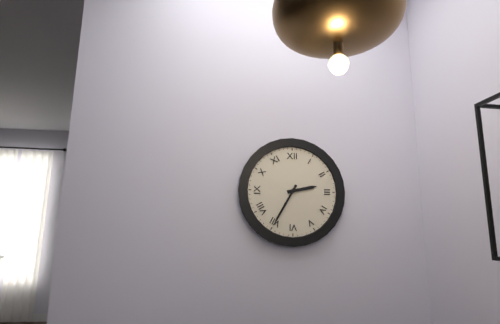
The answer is 2,35
